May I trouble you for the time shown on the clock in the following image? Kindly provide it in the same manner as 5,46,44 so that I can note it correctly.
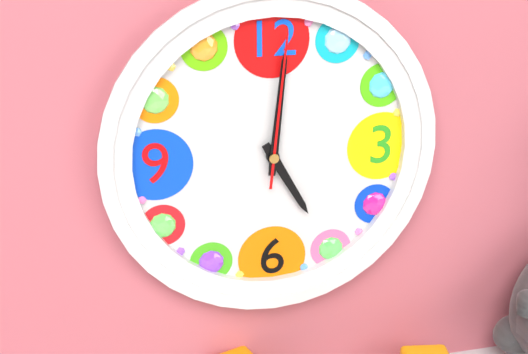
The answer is 5,01,01
